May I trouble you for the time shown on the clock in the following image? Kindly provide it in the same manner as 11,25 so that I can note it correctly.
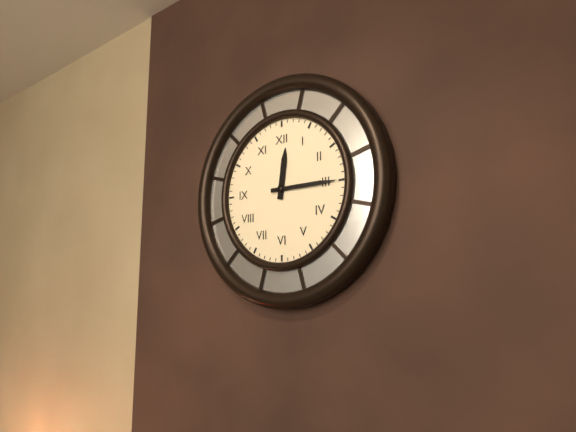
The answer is 12,15
